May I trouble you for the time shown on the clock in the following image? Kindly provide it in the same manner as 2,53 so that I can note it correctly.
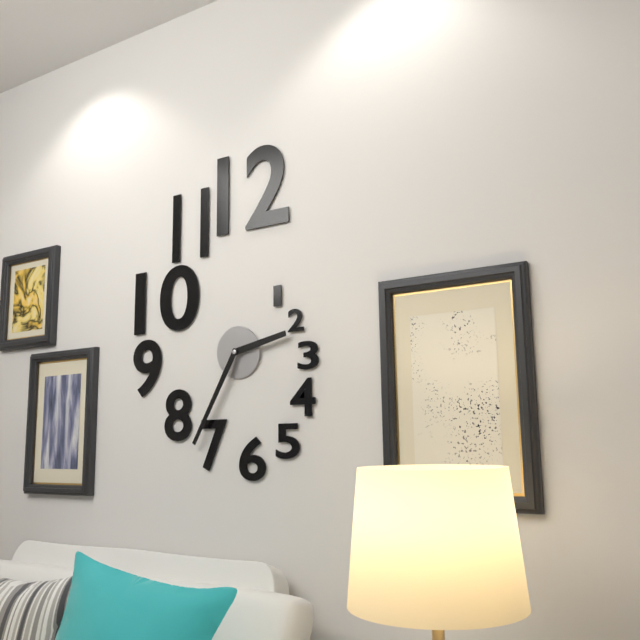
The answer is 2,35
